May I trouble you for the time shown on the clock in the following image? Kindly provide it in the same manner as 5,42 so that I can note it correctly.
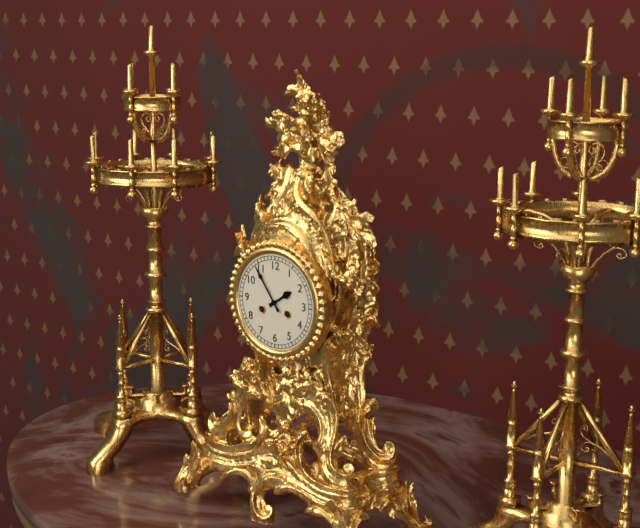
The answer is 1,54
